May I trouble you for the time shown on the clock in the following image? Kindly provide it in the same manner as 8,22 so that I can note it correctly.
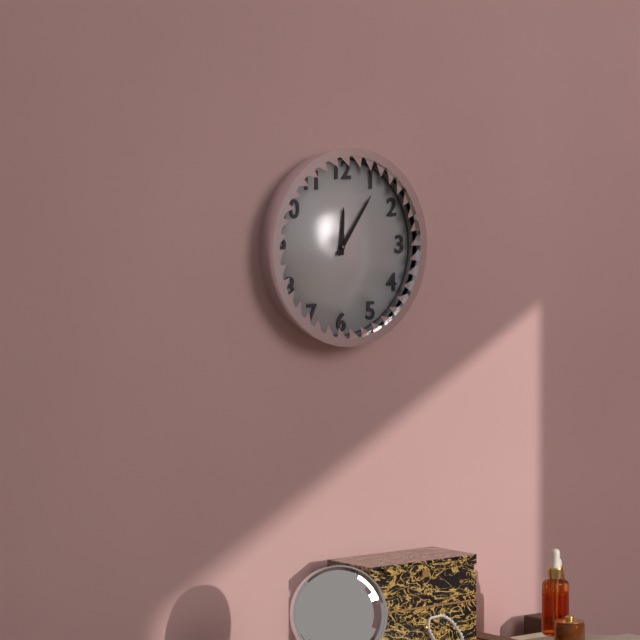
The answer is 12,06
